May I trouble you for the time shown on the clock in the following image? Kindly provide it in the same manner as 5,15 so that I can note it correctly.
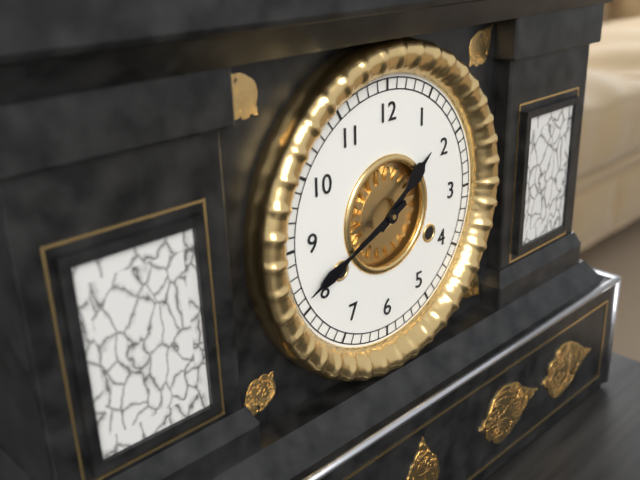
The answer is 1,41
